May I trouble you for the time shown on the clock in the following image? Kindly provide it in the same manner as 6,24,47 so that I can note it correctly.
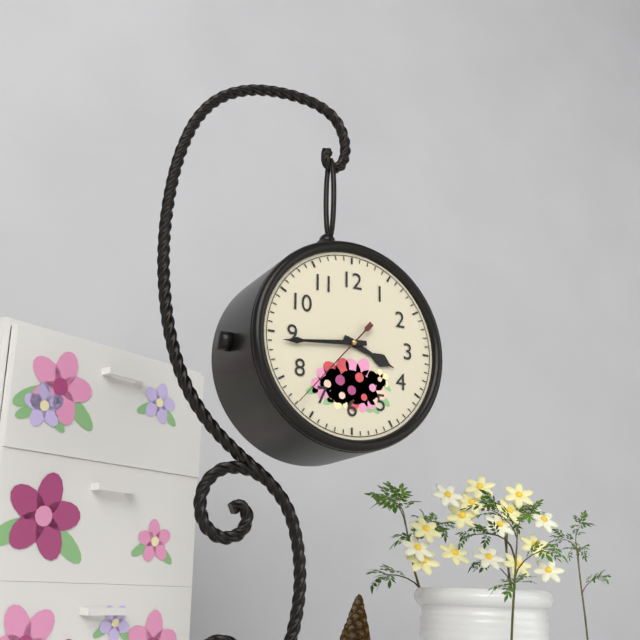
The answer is 3,44,37
